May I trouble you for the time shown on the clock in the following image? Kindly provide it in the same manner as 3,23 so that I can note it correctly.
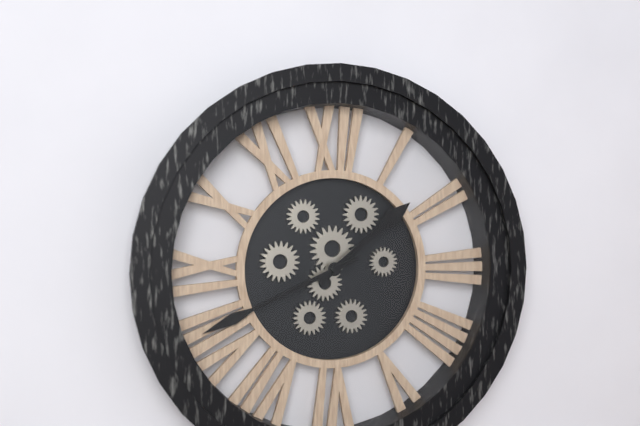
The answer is 1,41
